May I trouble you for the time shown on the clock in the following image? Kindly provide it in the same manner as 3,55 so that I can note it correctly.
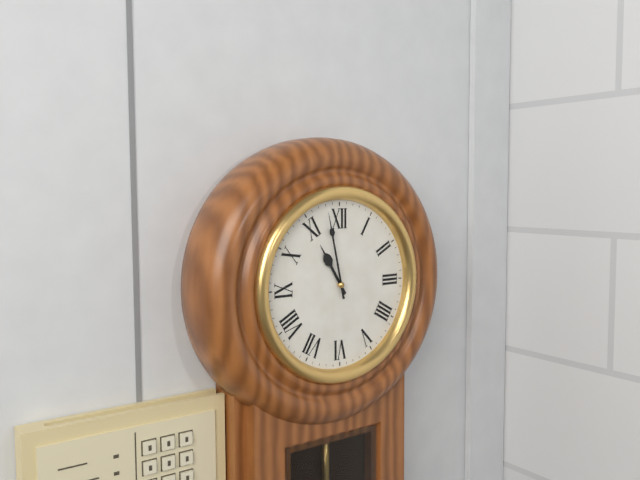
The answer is 10,58
